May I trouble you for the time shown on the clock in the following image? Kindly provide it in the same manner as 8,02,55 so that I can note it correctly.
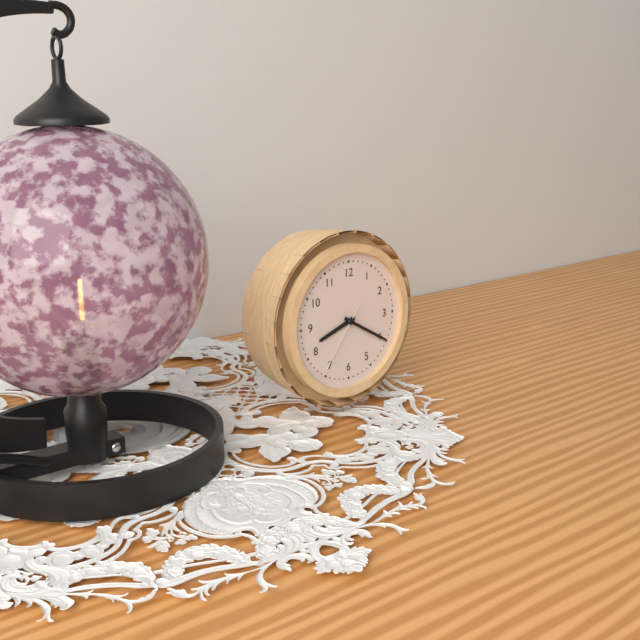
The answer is 8,20,36
